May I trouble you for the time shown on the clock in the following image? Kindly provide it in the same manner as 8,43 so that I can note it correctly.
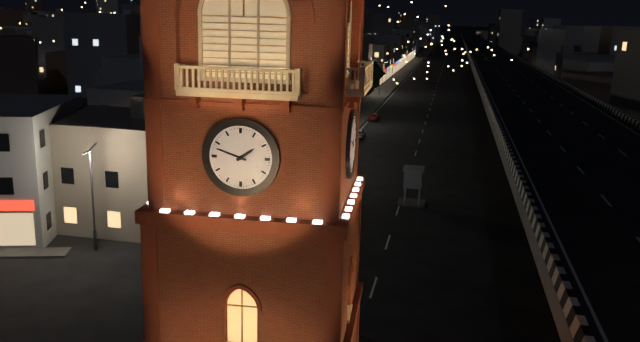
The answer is 1,48
